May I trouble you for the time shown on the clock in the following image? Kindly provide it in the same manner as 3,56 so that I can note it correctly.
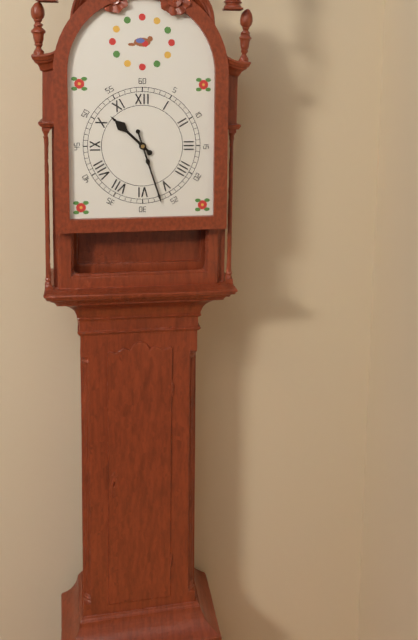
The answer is 10,27
